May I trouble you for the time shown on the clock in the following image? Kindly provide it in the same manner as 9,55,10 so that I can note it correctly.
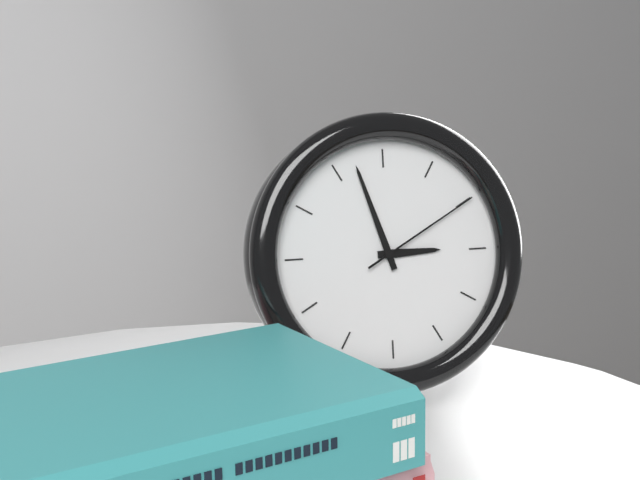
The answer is 2,57,10
